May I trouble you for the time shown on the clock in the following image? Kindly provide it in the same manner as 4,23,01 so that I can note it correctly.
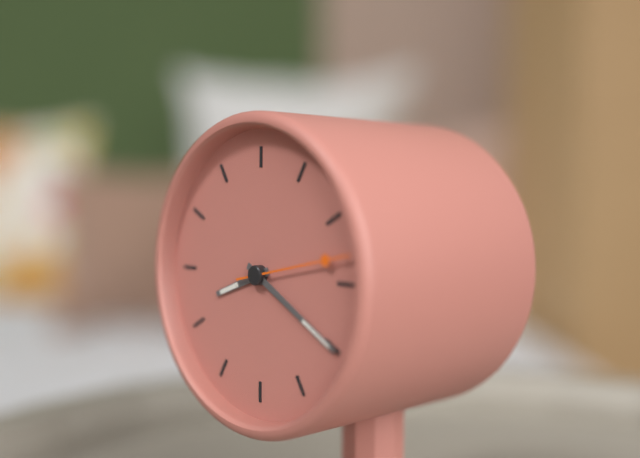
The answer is 8,20,13
